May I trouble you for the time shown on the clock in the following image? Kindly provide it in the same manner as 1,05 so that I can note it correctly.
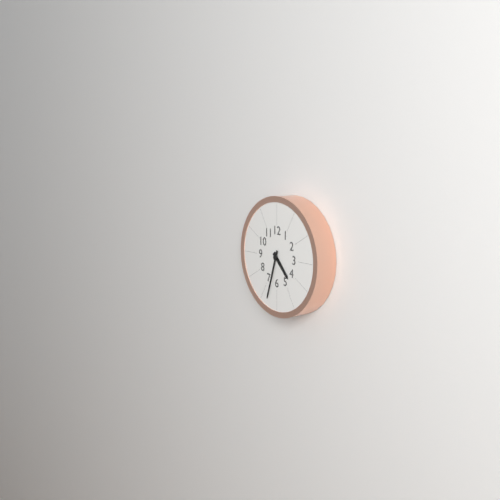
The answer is 4,33
